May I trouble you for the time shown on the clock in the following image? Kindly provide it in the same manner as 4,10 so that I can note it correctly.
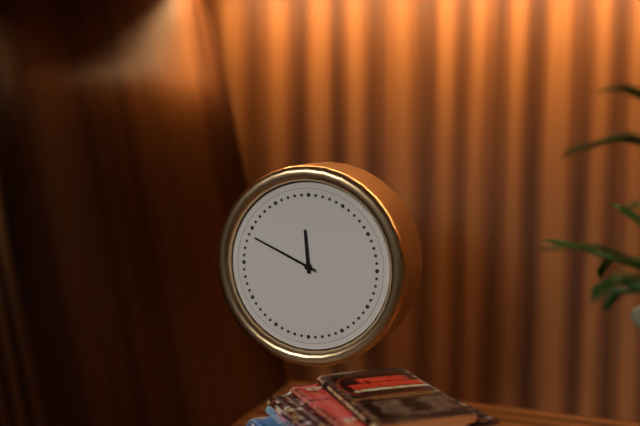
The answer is 11,49
